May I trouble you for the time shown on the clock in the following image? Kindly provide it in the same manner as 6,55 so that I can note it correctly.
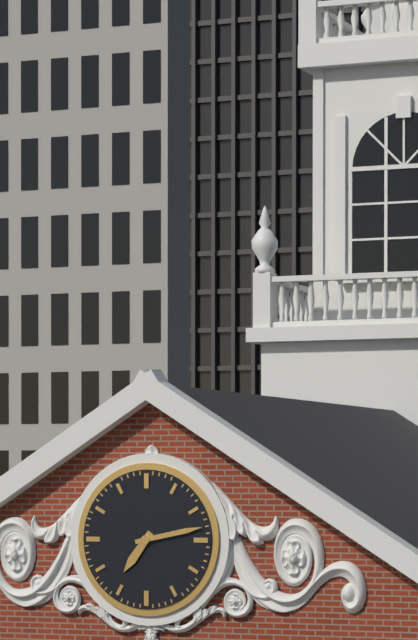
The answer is 7,13
